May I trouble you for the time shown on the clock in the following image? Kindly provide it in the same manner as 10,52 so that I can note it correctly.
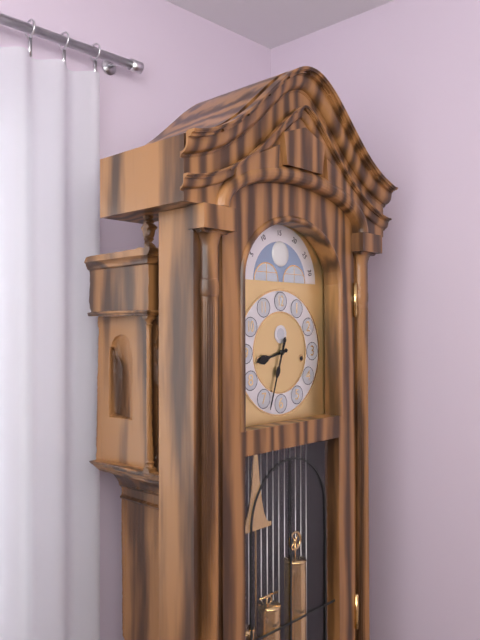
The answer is 8,33
